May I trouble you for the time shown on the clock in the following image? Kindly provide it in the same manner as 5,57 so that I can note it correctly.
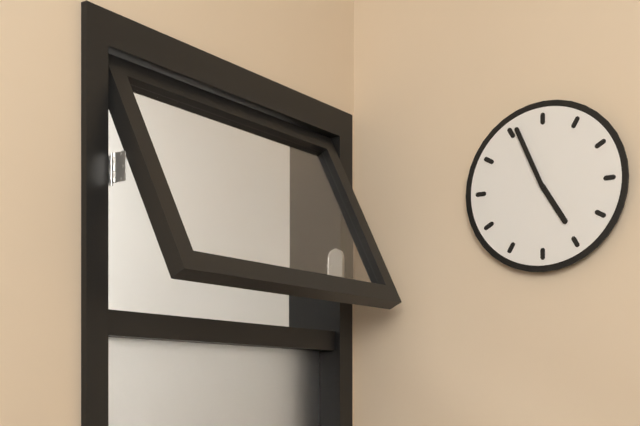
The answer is 4,56
